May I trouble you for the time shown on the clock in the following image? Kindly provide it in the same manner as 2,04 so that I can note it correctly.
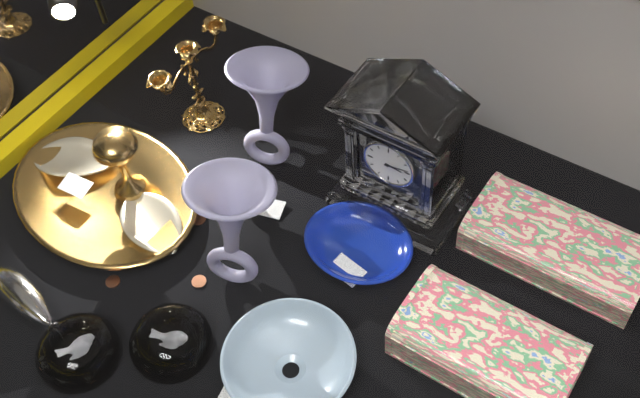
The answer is 3,13
